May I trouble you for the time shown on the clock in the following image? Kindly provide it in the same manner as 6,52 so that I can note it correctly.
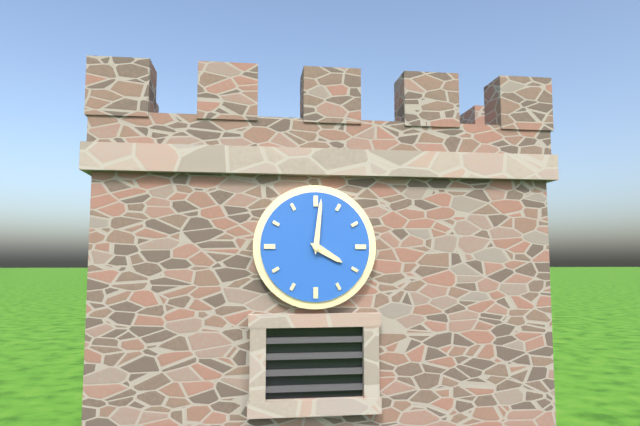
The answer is 4,01
